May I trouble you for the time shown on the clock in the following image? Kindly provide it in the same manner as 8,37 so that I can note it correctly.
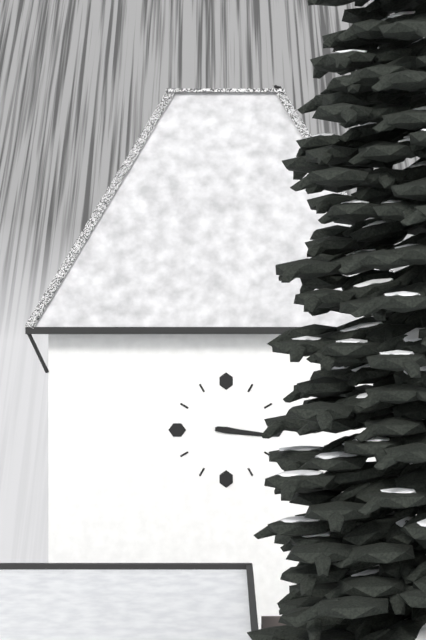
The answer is 3,16
